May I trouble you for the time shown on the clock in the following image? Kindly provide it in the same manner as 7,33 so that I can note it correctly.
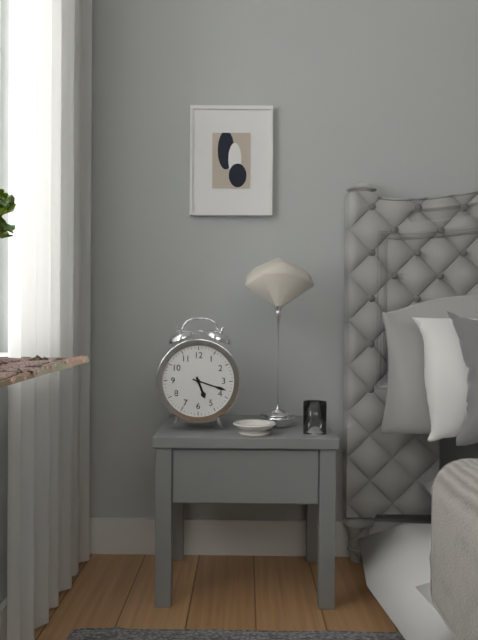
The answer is 5,18
